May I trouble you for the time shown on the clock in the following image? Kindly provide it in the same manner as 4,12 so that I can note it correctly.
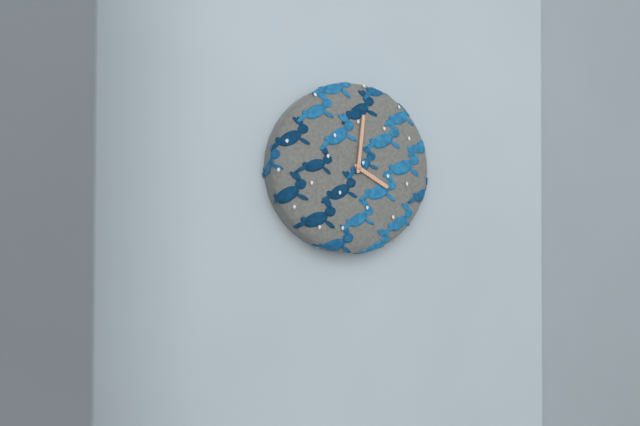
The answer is 4,01
